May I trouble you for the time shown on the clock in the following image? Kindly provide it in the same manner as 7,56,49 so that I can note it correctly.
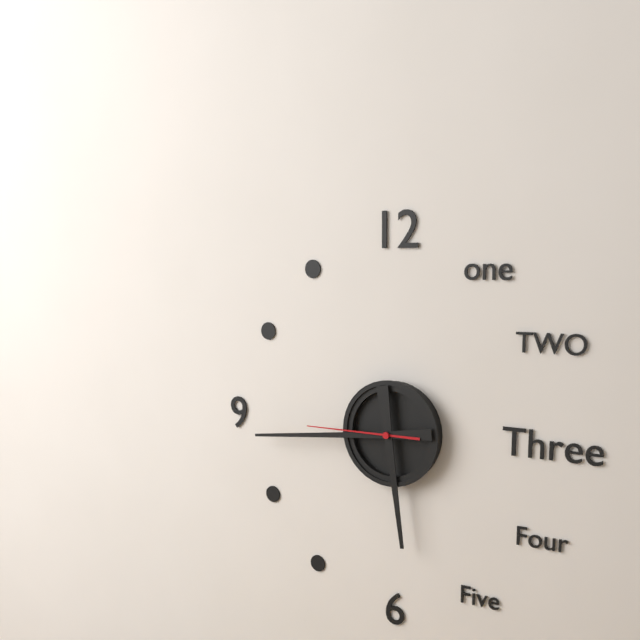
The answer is 5,44,45
